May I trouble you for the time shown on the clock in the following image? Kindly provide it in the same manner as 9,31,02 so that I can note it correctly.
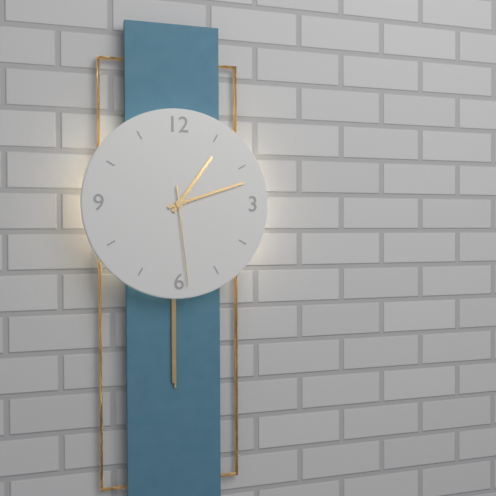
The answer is 1,12,29
